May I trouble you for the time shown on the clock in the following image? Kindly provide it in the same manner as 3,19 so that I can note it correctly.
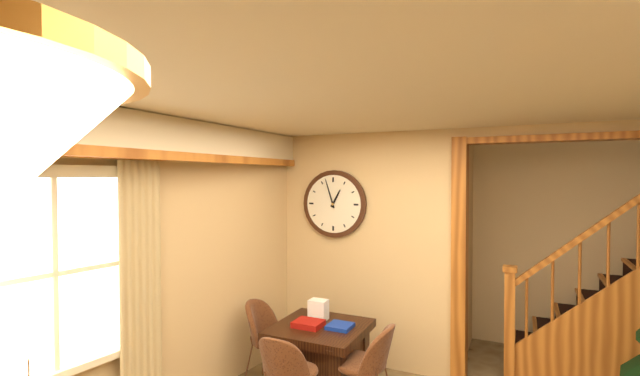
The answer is 12,57
